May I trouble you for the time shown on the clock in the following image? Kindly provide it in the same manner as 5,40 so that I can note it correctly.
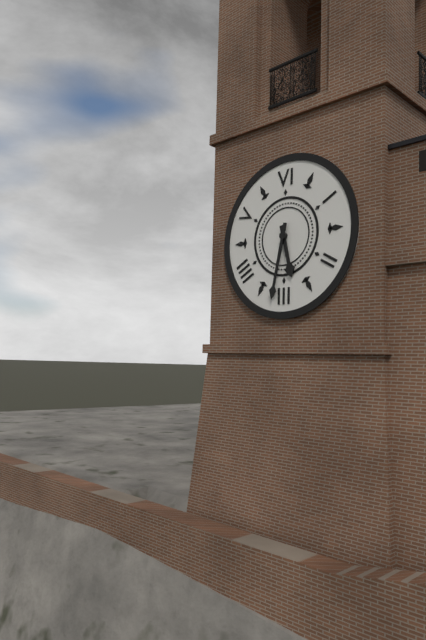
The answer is 5,32
